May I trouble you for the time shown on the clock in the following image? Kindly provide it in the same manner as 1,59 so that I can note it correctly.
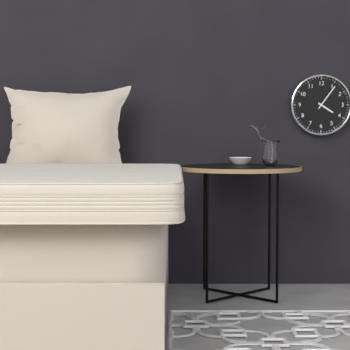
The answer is 4,06
